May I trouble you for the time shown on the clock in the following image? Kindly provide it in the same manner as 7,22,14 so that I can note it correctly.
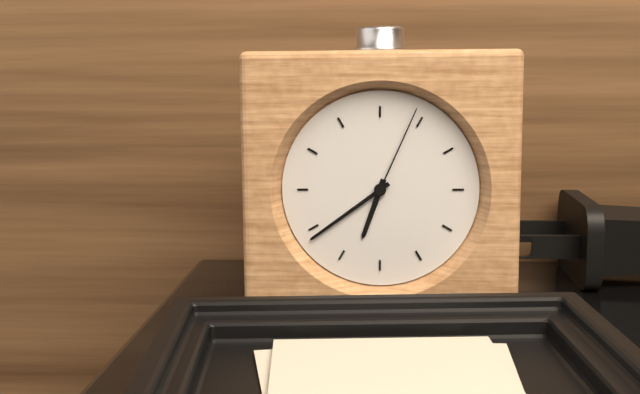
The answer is 6,39,04
